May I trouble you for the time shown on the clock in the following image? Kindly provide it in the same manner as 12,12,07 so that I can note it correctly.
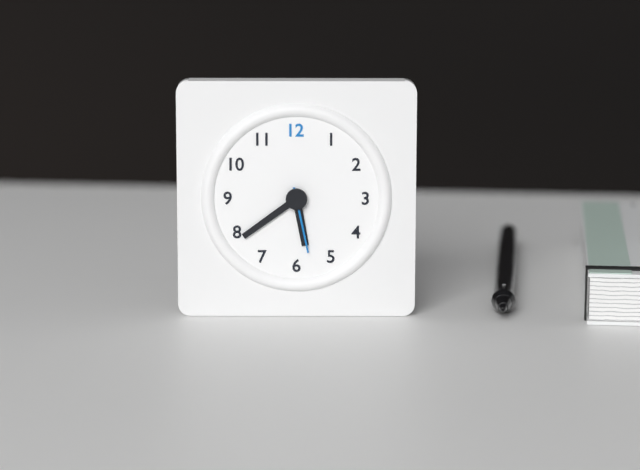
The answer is 5,39,28
